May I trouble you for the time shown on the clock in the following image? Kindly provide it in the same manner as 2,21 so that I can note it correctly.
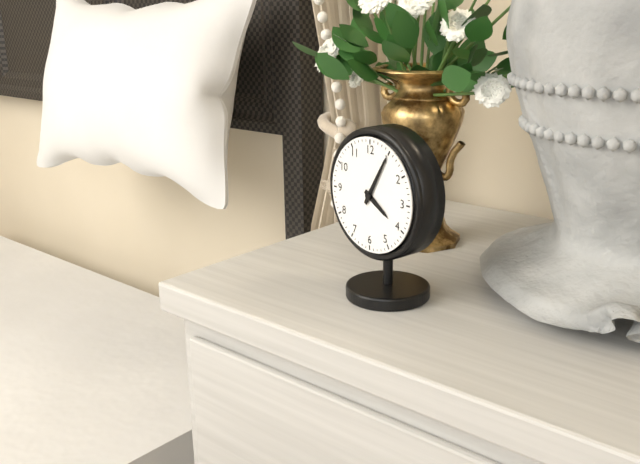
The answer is 4,05
